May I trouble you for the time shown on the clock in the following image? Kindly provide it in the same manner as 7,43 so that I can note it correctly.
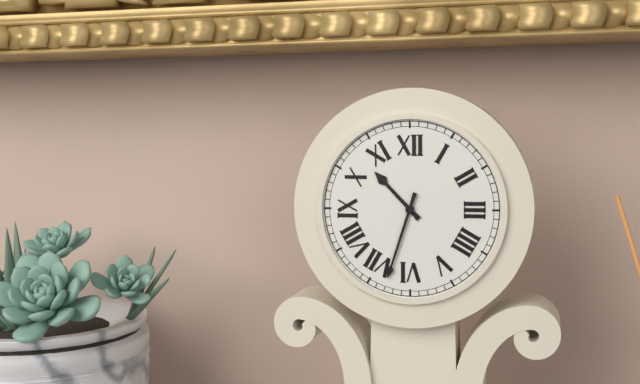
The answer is 10,33
